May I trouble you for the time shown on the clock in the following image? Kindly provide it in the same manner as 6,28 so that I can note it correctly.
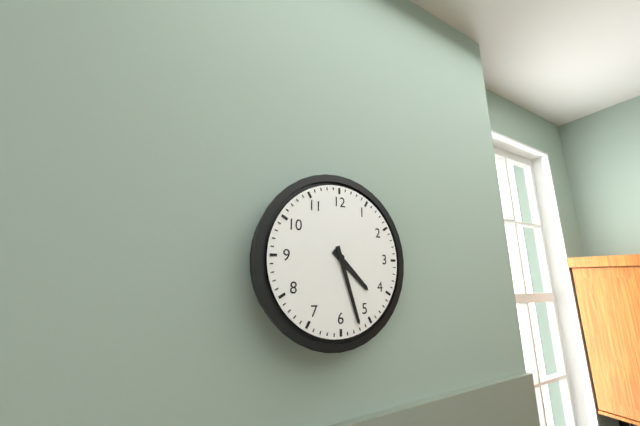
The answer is 4,27
